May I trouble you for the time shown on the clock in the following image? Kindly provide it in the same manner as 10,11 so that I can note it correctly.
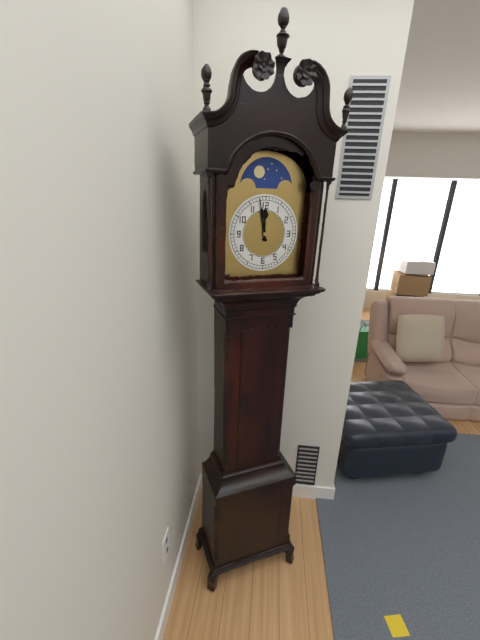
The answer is 11,58
